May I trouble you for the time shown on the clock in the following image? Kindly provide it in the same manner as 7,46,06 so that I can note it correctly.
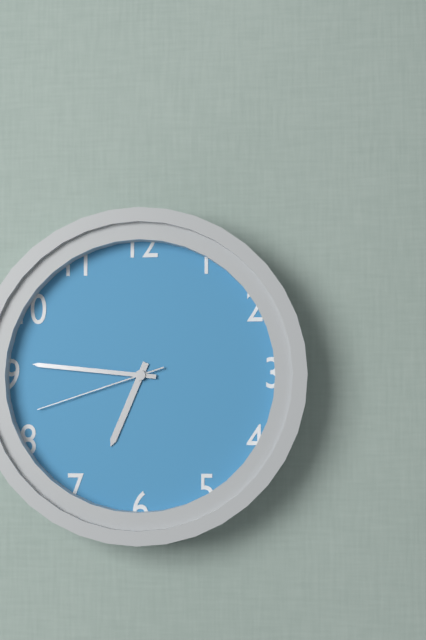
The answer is 6,46,42
